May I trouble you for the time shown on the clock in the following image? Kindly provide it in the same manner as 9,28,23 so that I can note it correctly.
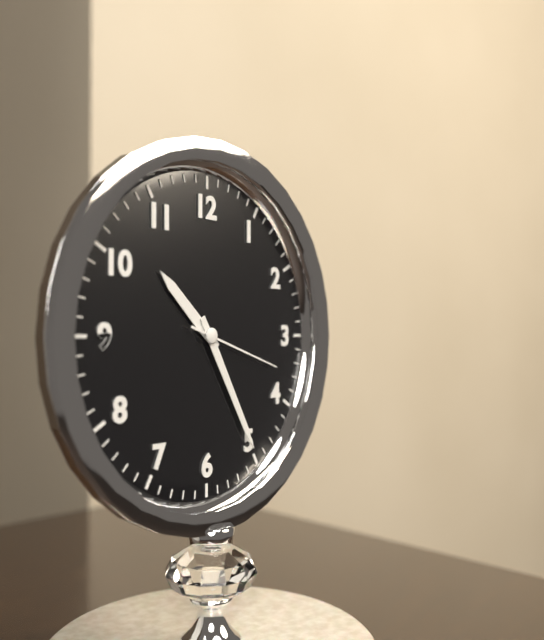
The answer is 10,25,18
